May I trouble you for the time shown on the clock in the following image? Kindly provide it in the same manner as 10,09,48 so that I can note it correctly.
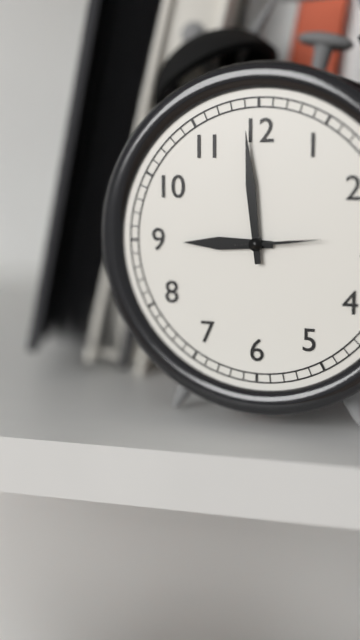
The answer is 8,59,14
